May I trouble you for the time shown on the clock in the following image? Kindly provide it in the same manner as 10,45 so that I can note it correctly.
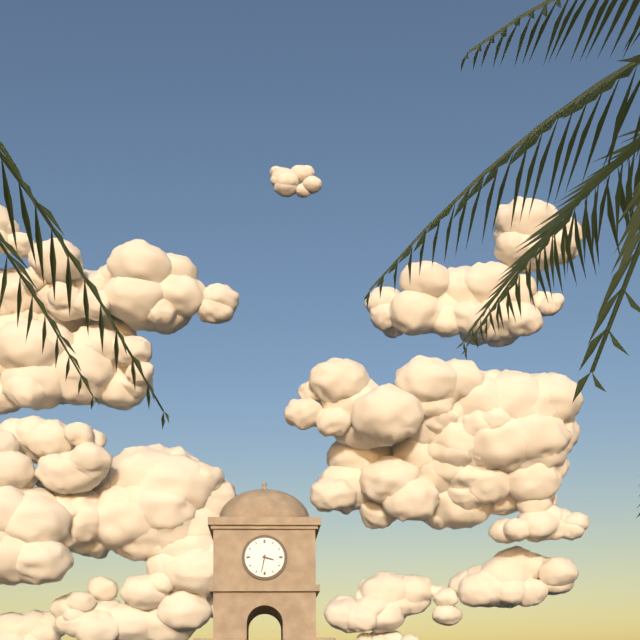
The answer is 3,32
